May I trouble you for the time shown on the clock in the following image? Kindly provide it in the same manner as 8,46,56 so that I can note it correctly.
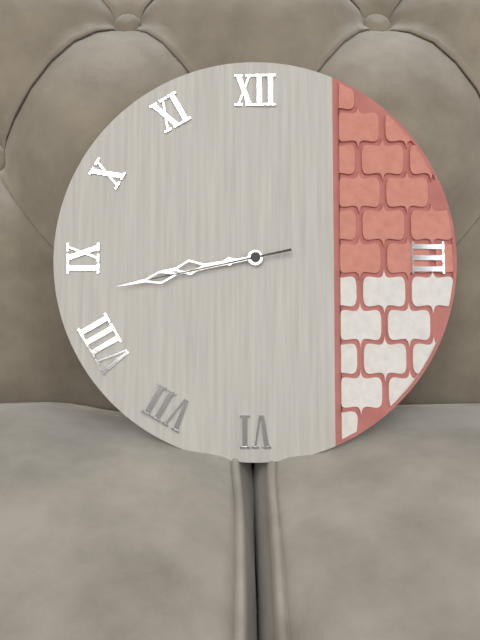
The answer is 8,43,43
